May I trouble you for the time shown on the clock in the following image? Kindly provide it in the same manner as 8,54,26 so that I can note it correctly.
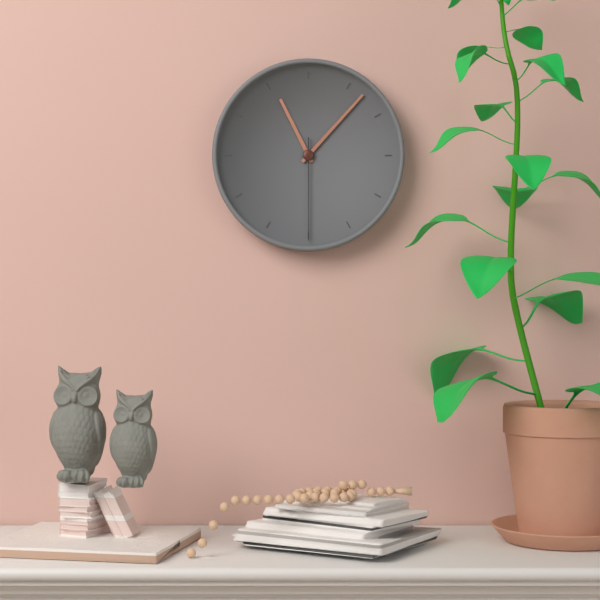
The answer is 11,07,30
